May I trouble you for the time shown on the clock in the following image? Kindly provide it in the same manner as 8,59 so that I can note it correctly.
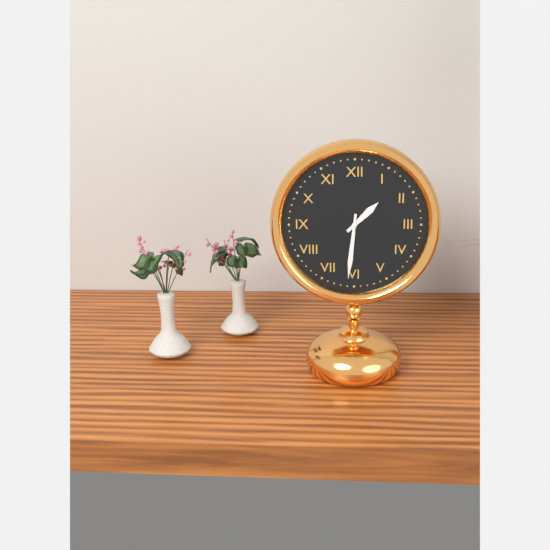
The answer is 1,31
